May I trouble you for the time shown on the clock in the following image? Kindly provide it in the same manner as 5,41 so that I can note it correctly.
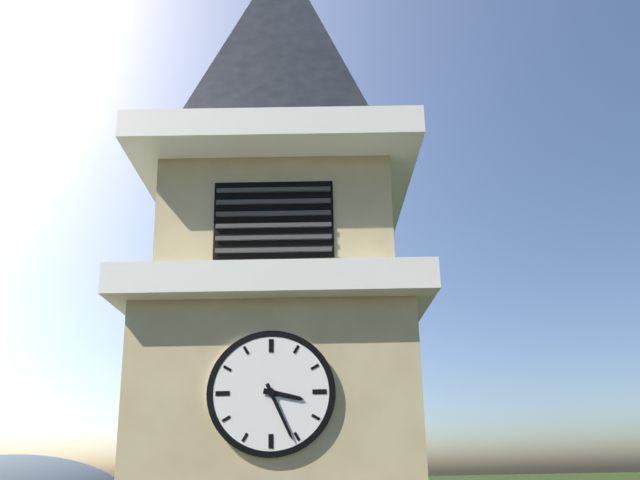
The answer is 3,26
